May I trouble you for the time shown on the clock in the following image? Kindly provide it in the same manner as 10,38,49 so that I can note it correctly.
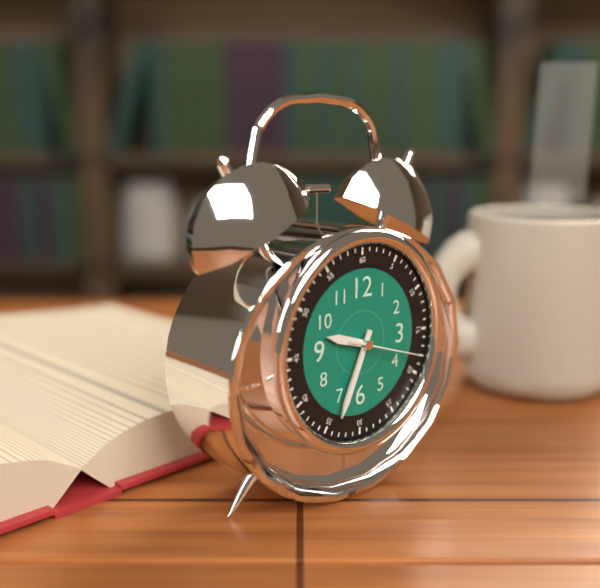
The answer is 9,34,18
